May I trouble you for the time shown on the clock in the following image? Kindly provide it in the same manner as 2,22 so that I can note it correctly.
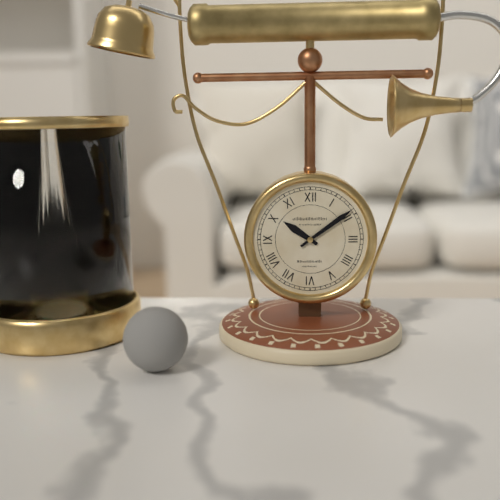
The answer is 10,09
